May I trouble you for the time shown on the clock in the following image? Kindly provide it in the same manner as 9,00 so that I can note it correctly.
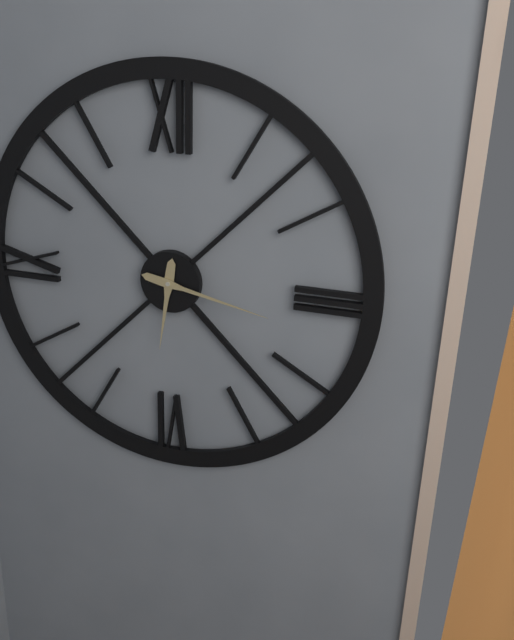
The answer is 6,17
